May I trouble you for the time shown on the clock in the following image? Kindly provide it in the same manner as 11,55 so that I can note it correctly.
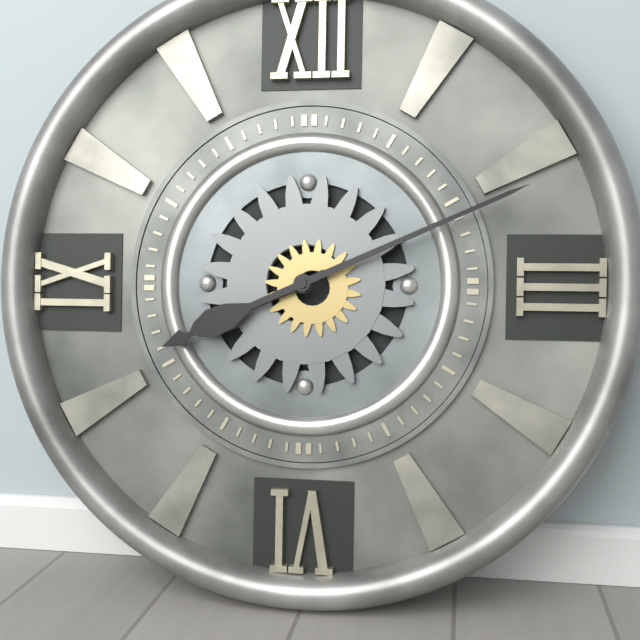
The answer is 8,11
